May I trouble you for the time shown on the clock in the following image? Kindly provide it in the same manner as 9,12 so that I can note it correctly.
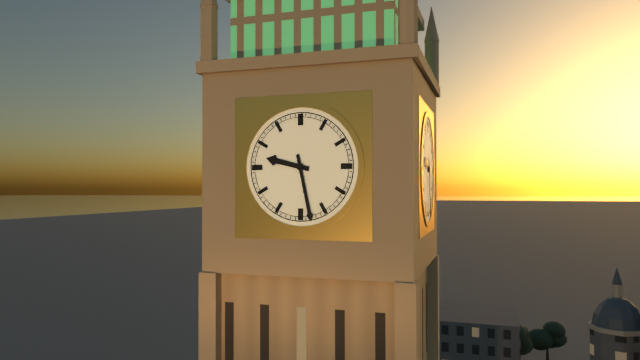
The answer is 9,28
